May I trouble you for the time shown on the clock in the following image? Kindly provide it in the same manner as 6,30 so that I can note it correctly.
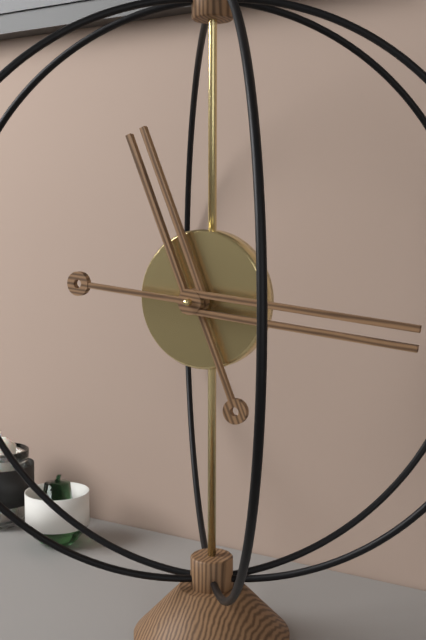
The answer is 11,16
